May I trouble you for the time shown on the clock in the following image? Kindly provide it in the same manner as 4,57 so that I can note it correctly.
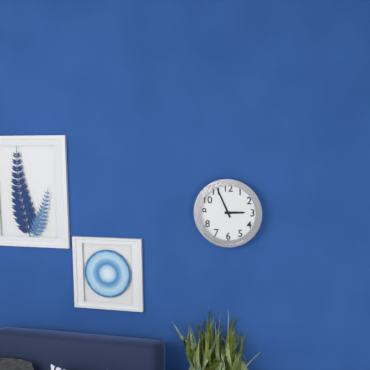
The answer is 2,56
